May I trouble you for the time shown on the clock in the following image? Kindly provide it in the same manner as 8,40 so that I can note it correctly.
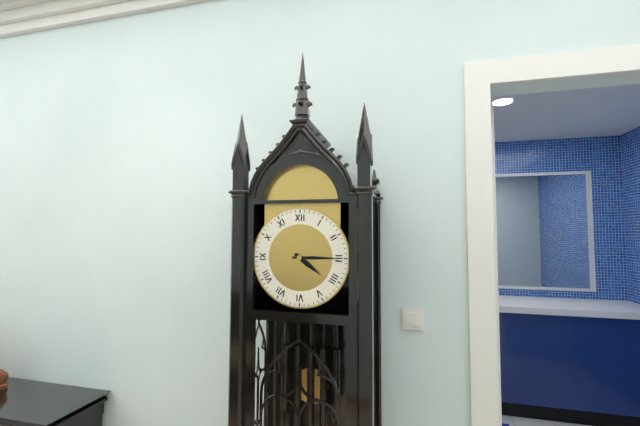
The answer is 4,15
